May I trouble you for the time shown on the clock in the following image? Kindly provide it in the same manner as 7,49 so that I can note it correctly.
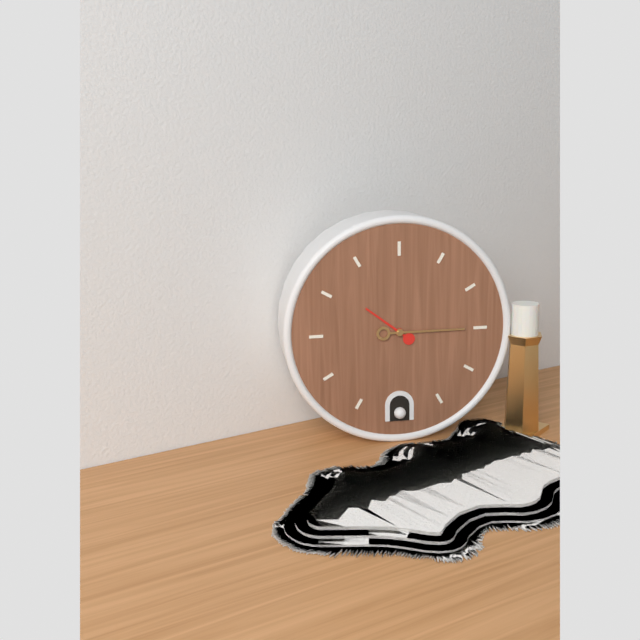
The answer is 10,15
